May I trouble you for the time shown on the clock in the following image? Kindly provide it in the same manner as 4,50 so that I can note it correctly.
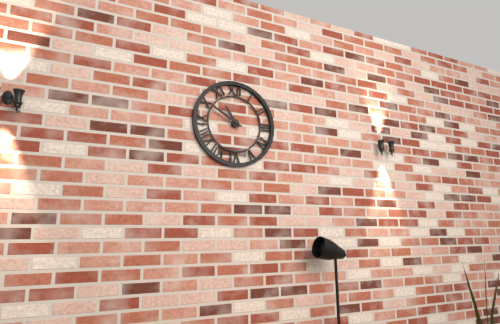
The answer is 10,50
